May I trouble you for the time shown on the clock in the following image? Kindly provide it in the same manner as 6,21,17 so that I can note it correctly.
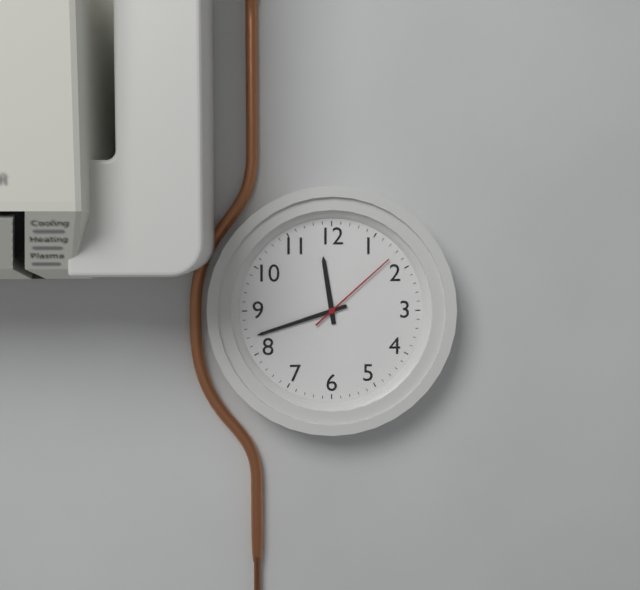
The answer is 11,42,08
